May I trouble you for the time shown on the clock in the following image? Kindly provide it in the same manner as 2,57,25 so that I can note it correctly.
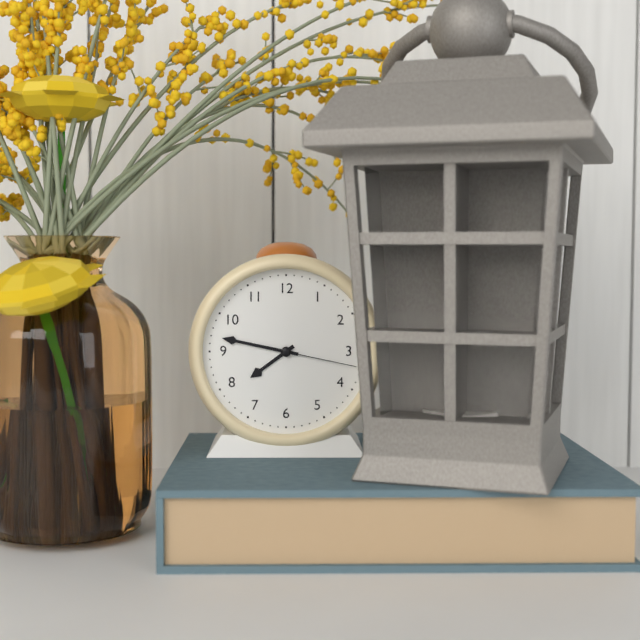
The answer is 7,47,17
